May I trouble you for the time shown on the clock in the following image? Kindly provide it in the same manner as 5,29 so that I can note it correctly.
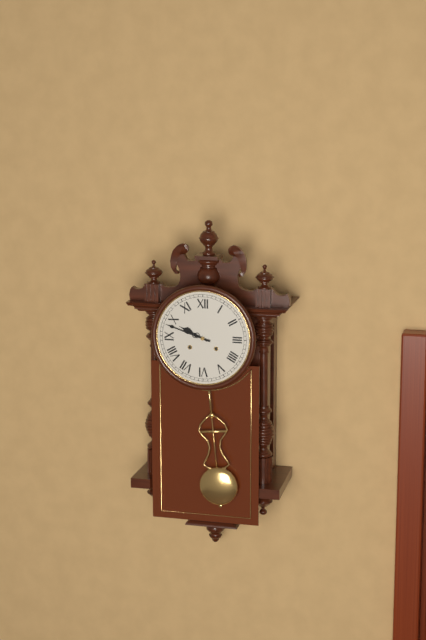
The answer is 9,48
